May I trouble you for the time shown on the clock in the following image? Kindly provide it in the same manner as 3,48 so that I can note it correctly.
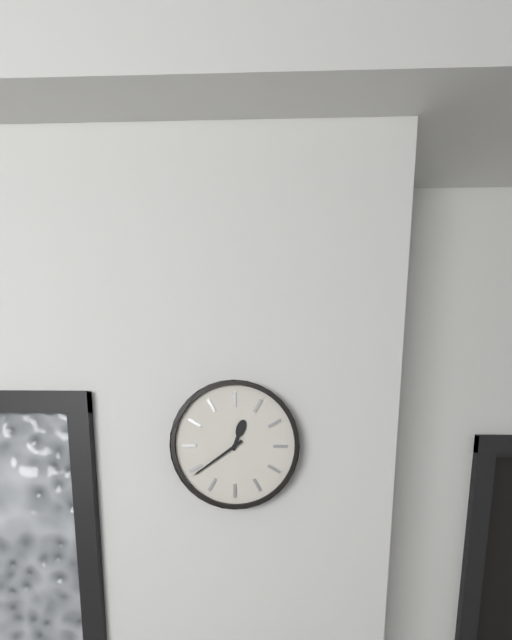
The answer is 12,39
